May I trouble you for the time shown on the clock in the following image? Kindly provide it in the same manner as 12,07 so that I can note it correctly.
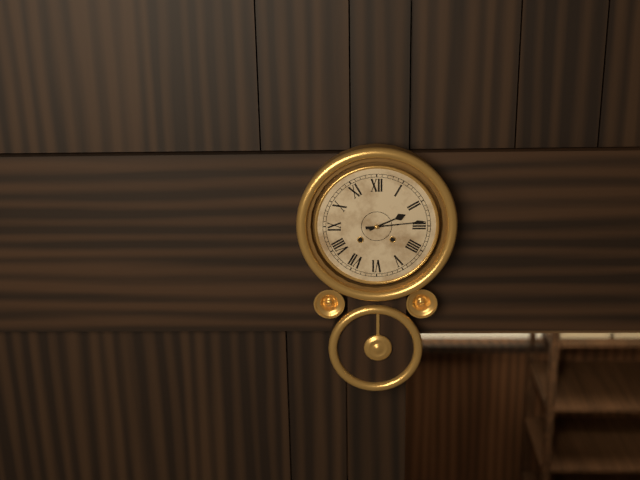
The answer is 2,14
